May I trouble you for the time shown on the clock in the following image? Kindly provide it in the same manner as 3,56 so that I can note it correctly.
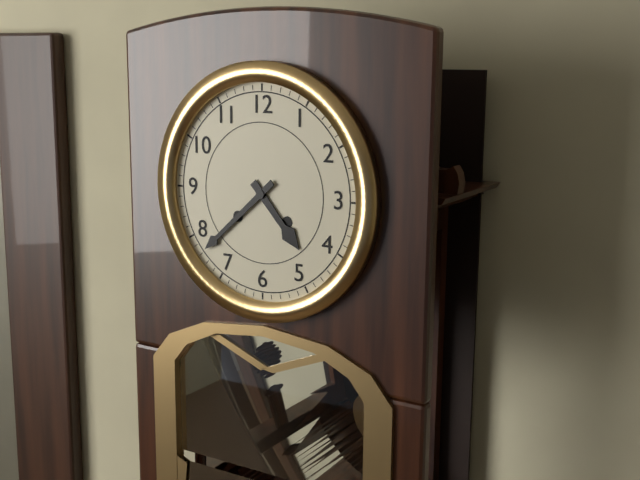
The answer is 4,38
